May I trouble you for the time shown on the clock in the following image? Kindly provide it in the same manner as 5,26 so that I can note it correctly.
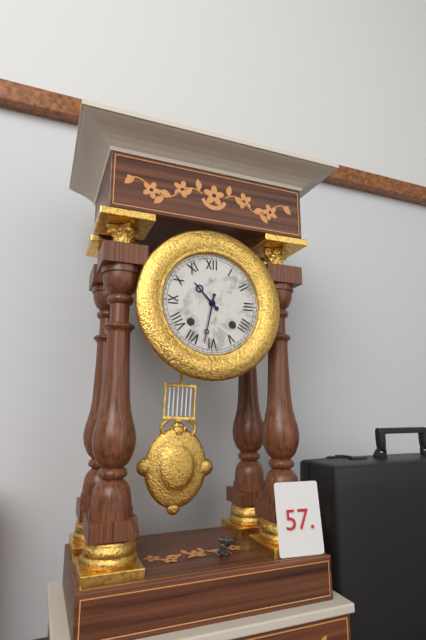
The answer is 10,32
